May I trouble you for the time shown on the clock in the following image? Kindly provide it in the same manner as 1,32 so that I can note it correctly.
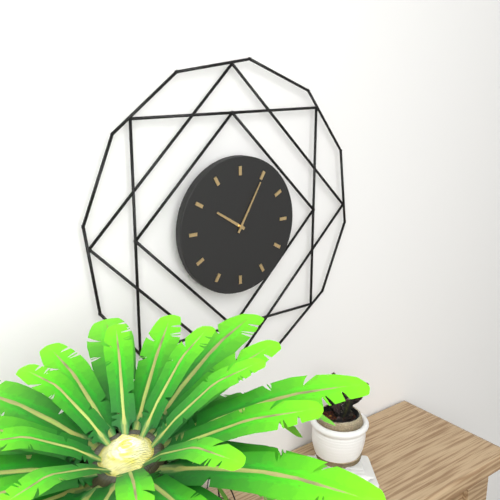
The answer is 10,05
